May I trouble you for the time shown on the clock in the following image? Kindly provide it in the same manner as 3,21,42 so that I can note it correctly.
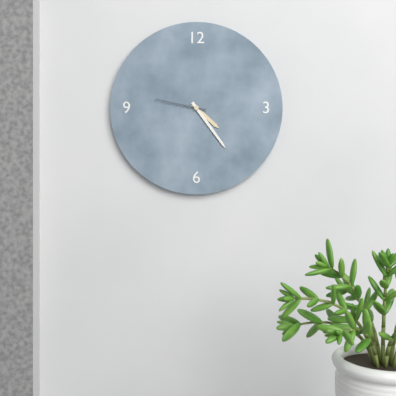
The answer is 4,24,47
